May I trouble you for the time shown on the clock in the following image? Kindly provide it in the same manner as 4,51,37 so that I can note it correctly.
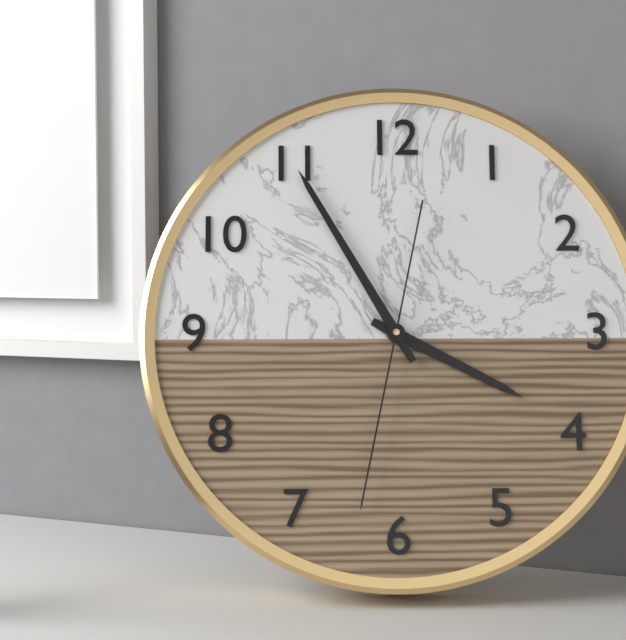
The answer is 3,55,32
